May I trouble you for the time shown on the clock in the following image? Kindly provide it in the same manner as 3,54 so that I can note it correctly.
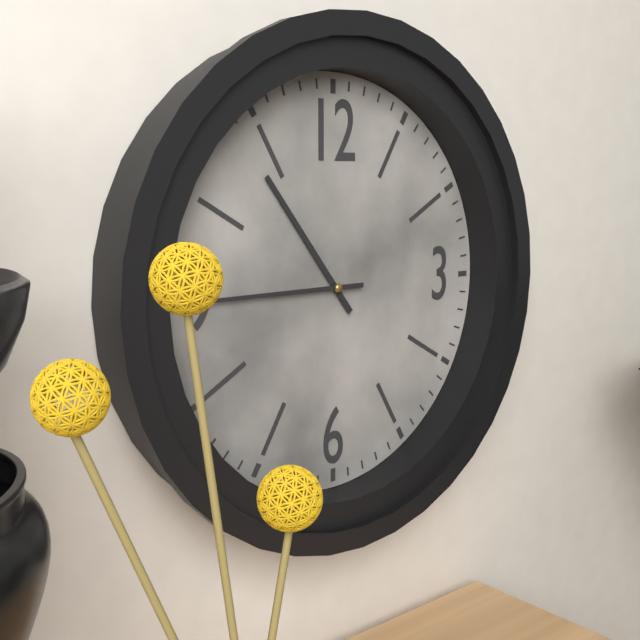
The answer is 10,45
